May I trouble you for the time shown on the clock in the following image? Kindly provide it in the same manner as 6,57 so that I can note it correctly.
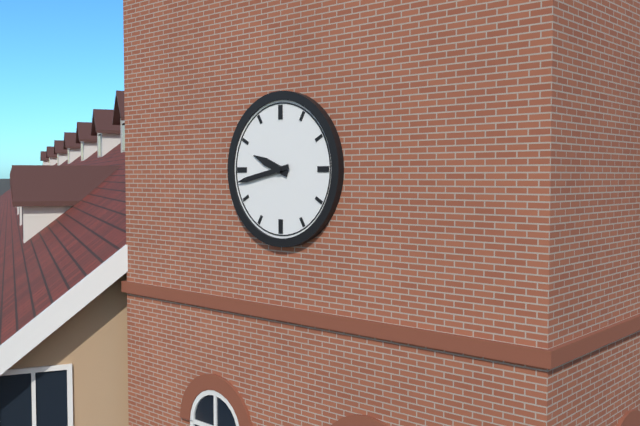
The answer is 9,43
